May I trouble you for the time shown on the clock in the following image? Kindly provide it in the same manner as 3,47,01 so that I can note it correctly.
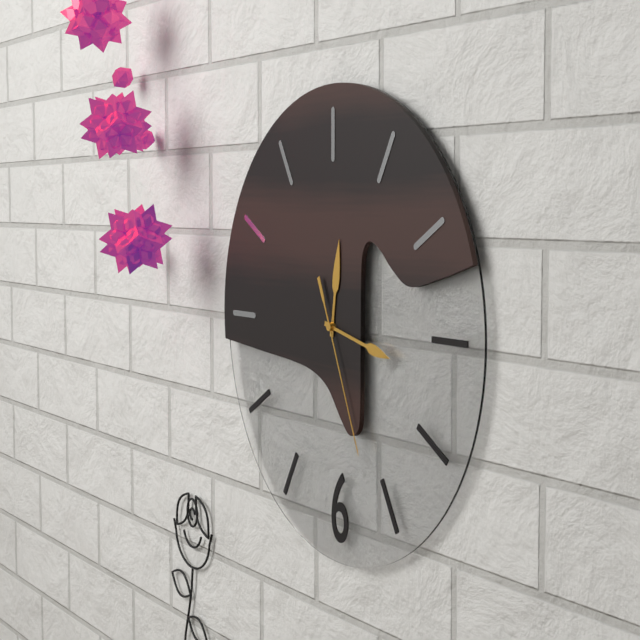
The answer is 12,17,26
